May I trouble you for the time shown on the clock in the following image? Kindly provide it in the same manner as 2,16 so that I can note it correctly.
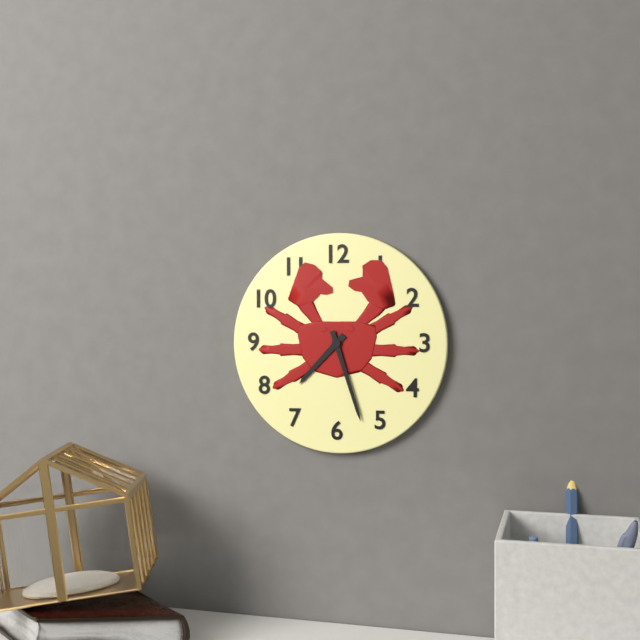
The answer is 7,27
